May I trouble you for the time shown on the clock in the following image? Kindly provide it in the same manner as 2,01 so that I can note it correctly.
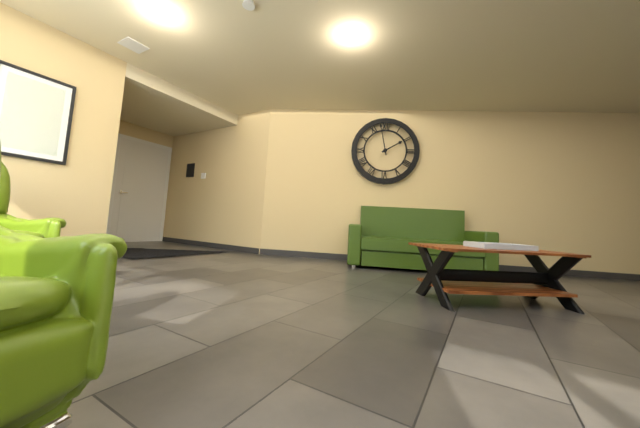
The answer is 1,58
